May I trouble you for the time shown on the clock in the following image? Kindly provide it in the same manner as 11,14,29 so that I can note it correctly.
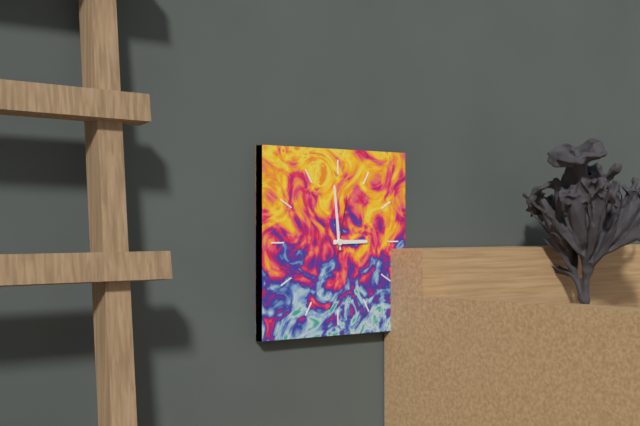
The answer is 2,59,02
